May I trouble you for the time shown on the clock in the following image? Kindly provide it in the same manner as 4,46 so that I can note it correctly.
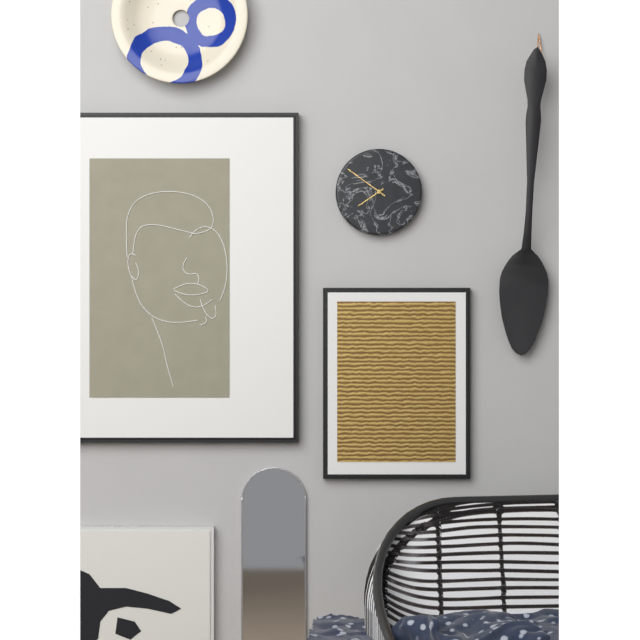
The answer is 7,51
